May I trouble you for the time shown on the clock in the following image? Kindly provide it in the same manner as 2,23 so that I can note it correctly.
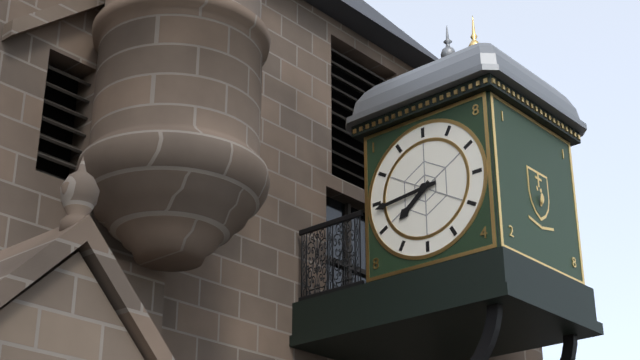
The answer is 7,44
